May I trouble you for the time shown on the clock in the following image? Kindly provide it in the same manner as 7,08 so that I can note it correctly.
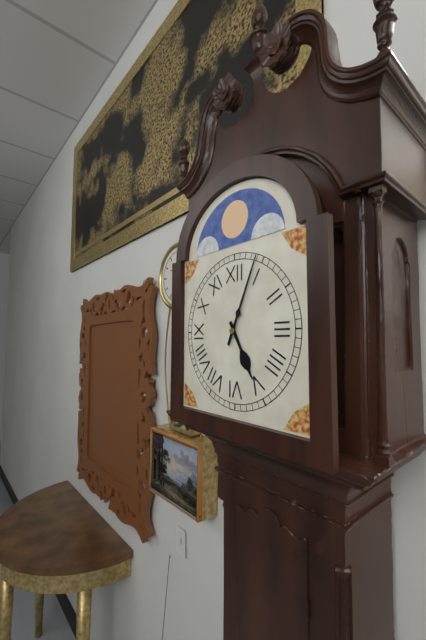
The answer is 5,04
